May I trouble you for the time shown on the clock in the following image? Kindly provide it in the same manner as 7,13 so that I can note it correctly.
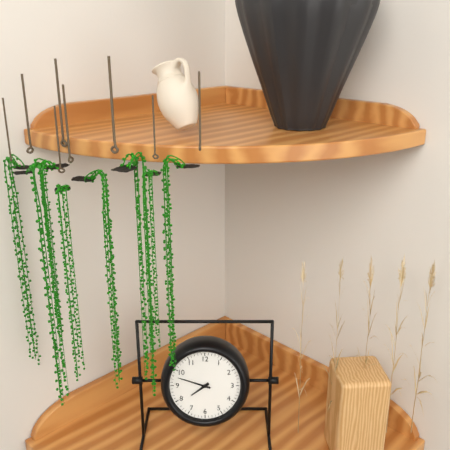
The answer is 7,48
